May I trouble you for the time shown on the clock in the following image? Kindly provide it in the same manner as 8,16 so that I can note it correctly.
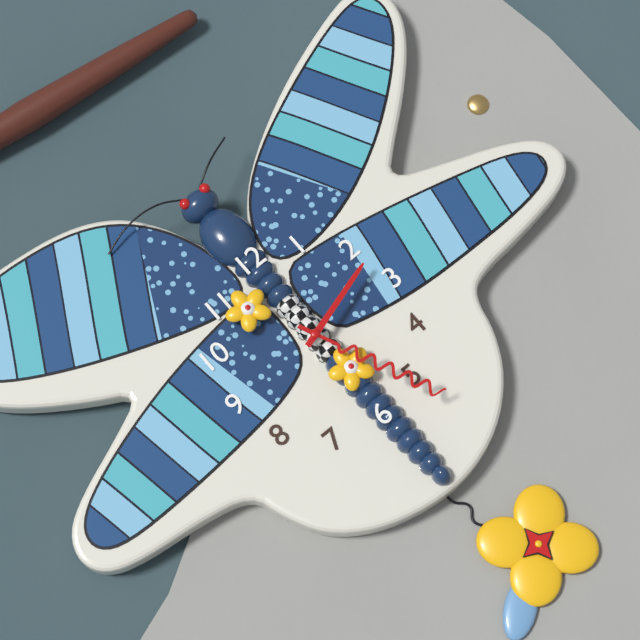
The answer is 2,26
